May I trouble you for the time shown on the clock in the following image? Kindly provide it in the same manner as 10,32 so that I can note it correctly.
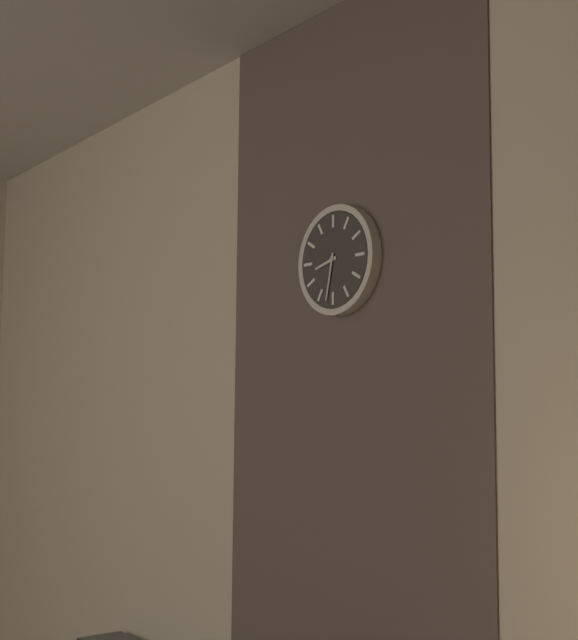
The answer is 8,32
